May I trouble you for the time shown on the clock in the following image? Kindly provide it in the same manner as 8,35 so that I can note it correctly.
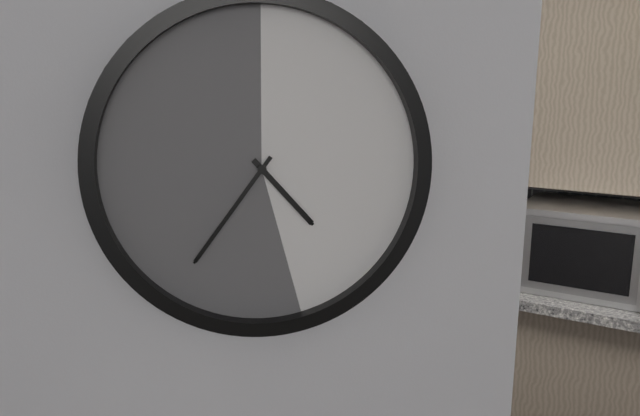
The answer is 4,36
